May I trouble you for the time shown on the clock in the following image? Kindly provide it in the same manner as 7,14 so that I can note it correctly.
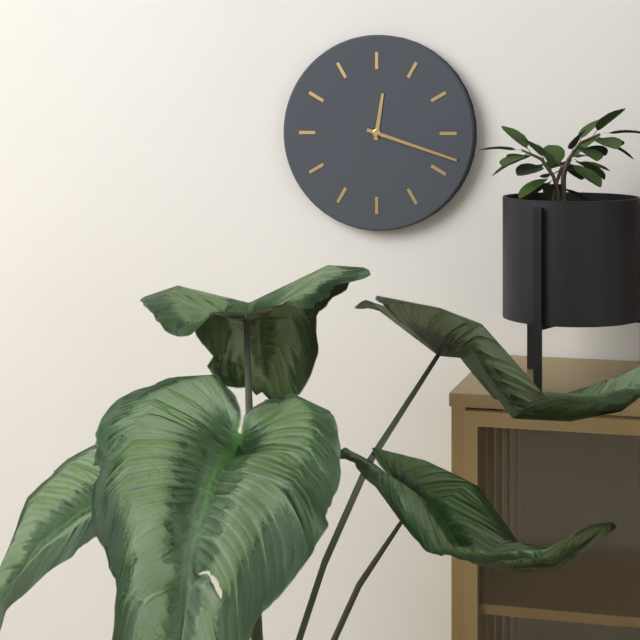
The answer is 12,18
